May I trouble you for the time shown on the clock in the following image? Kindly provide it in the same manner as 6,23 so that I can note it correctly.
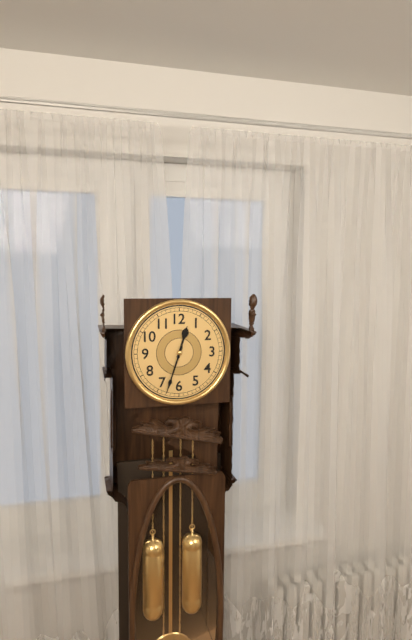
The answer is 12,33
